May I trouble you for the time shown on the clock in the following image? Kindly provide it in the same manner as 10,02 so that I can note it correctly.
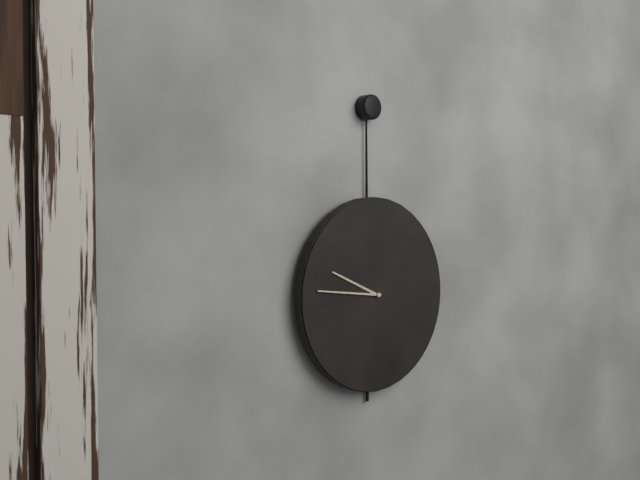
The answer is 9,46
